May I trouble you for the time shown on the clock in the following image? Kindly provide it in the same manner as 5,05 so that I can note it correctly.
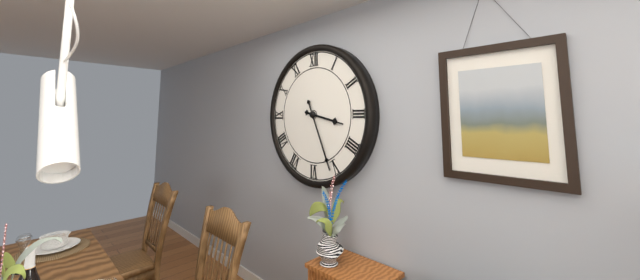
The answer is 3,26
